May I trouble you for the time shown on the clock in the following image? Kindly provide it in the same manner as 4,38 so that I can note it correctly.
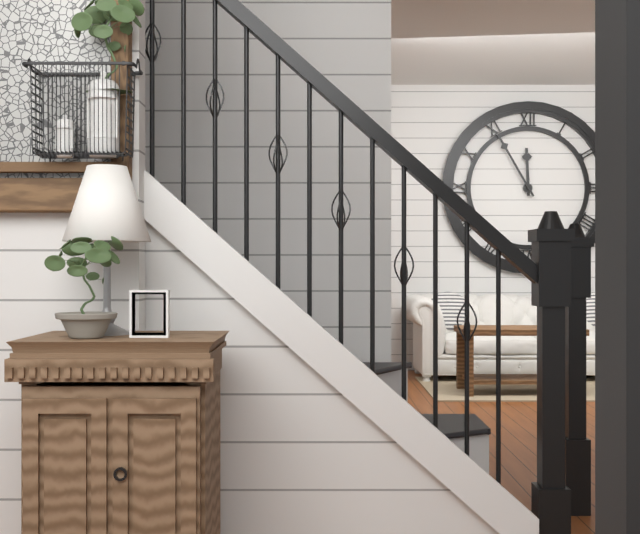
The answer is 11,55
